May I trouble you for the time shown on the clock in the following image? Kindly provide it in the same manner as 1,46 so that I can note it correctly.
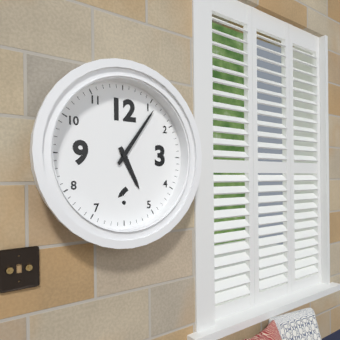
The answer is 5,06
